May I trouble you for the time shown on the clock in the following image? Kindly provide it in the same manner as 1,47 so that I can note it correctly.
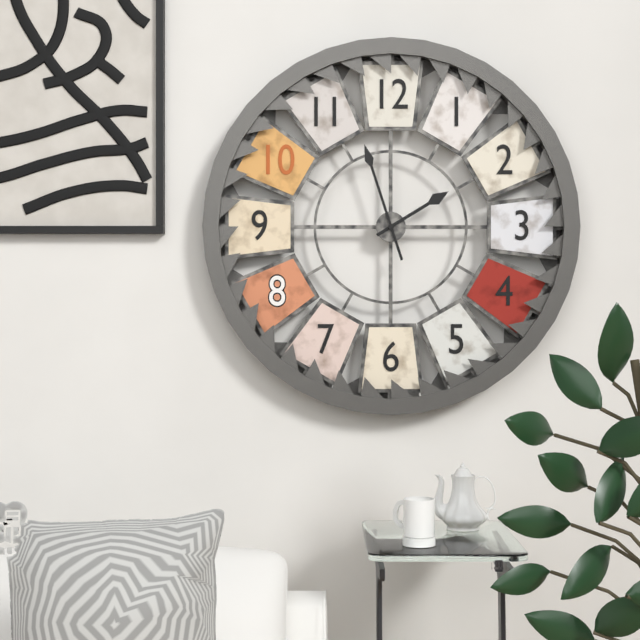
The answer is 1,57
